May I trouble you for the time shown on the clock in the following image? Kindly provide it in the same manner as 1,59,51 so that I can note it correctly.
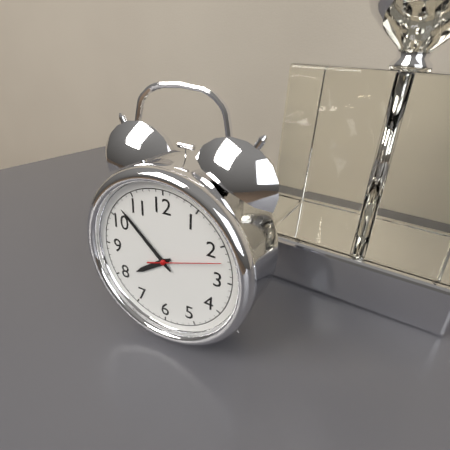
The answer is 7,52,12
